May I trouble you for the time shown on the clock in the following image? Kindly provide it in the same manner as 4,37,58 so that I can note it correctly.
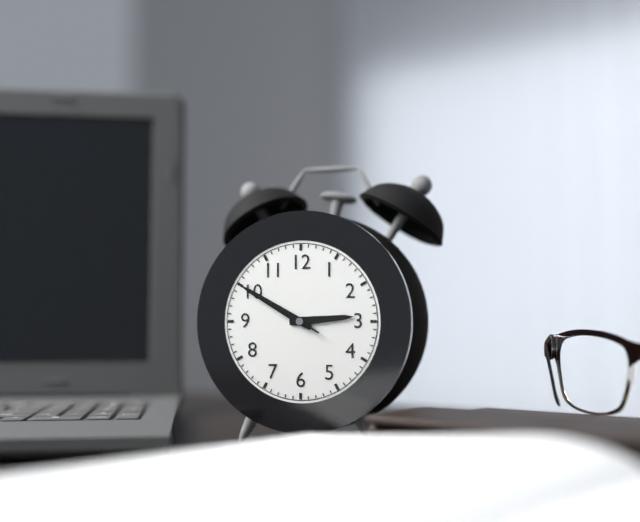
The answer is 2,50,50
